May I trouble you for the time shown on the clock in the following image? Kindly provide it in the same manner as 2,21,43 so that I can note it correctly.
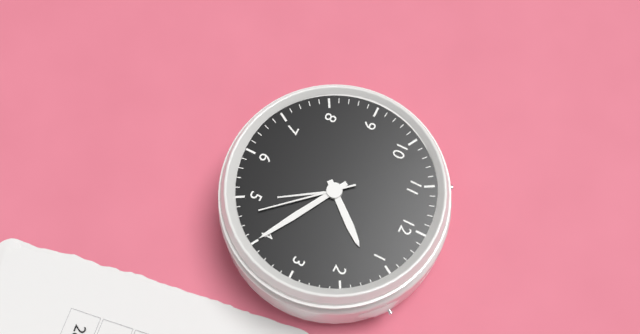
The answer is 1,20,23
